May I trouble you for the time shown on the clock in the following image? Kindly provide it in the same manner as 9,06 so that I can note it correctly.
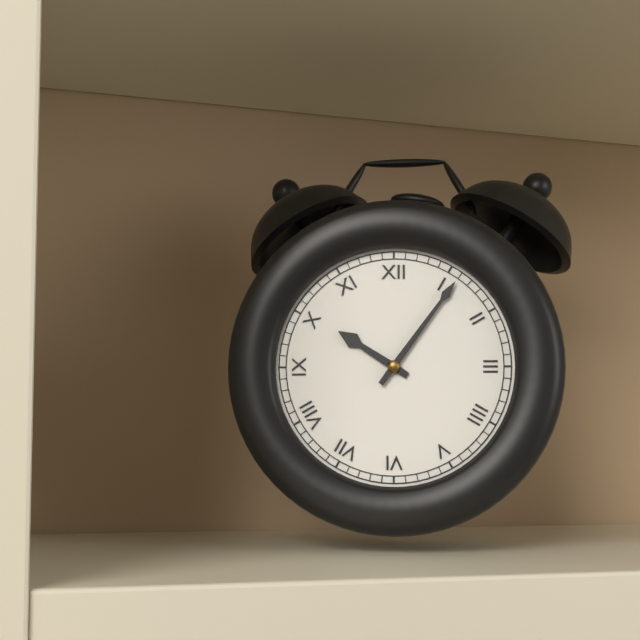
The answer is 10,06
